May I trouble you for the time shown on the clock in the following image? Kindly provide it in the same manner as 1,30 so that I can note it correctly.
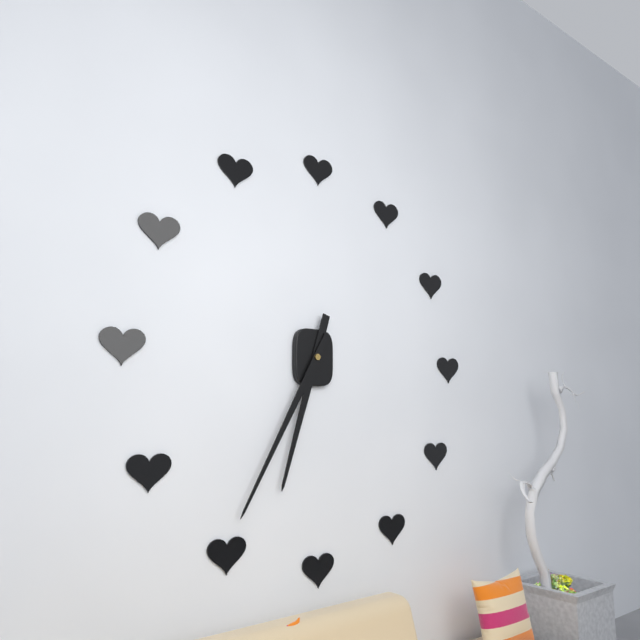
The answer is 6,35
